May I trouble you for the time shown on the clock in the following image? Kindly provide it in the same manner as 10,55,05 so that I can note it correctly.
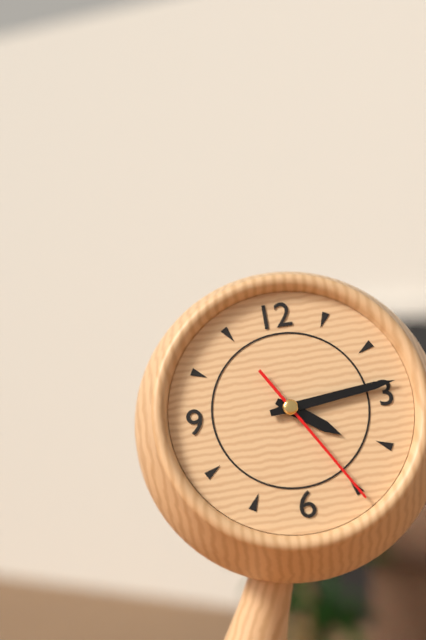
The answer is 4,14,25
